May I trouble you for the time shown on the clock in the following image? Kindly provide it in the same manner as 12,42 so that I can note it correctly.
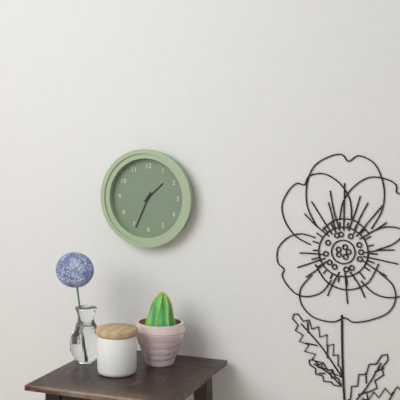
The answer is 1,34
